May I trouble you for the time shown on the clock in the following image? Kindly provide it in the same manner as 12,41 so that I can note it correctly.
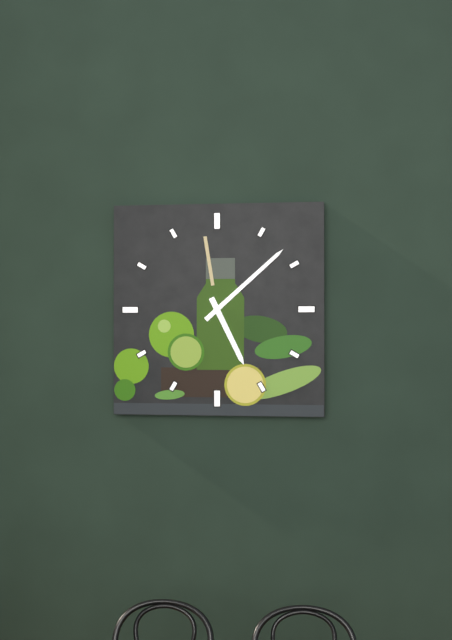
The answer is 5,08
